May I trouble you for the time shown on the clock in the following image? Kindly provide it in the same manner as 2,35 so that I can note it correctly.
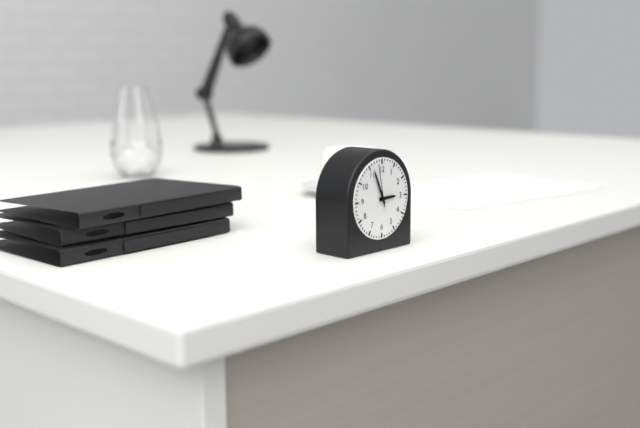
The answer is 2,56
